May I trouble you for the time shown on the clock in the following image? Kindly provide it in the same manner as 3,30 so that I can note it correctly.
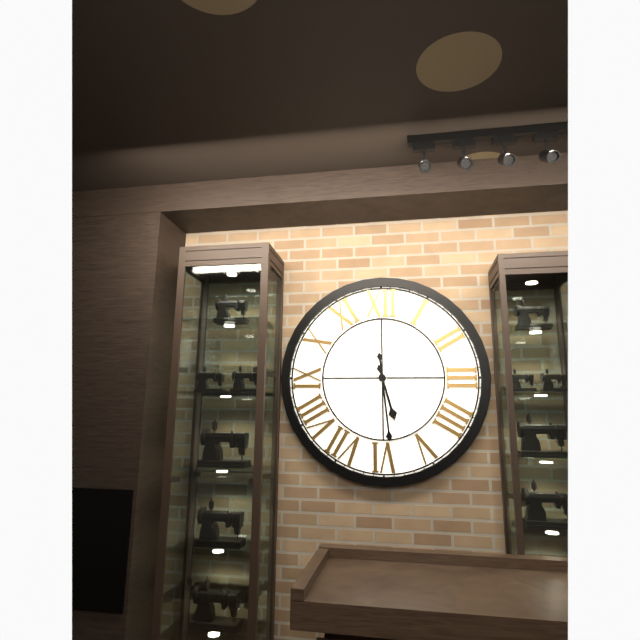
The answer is 5,29
